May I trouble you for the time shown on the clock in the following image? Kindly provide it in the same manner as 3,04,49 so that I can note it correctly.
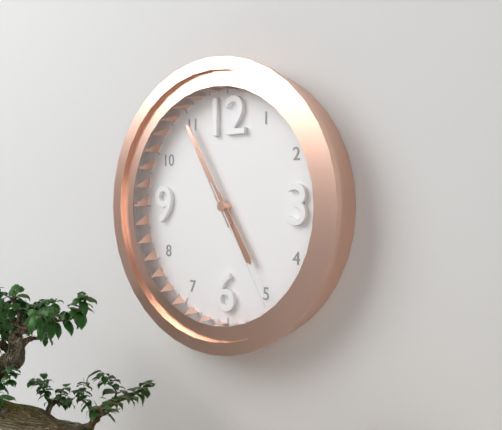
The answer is 4,55,25
